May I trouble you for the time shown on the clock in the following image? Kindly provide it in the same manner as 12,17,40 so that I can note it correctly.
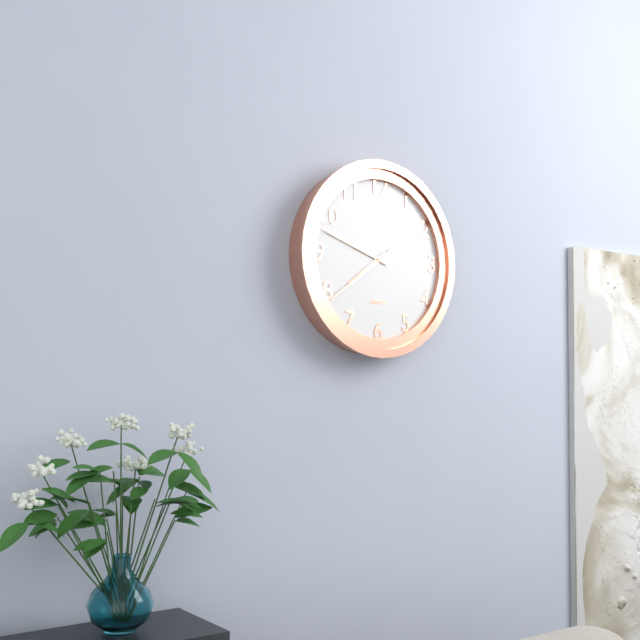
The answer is 7,48,39
